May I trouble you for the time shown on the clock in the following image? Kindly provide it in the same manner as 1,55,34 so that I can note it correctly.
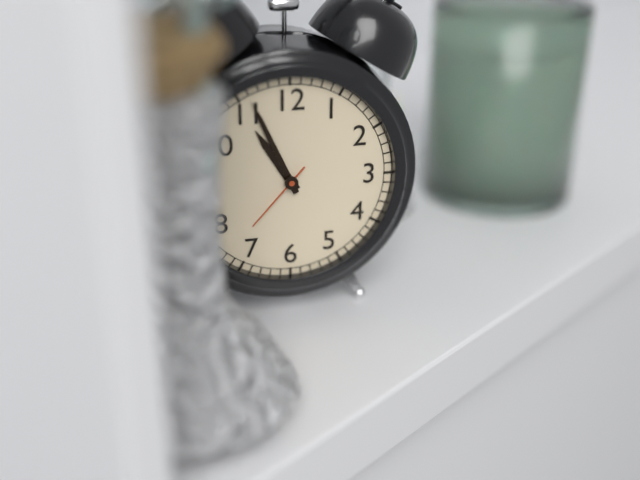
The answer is 10,56,37
